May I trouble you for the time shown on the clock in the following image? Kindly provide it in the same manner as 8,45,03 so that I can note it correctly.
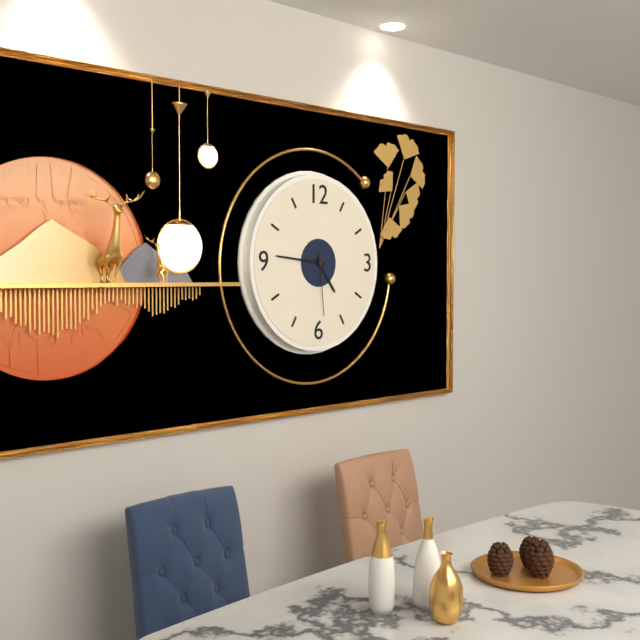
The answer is 4,46,29
